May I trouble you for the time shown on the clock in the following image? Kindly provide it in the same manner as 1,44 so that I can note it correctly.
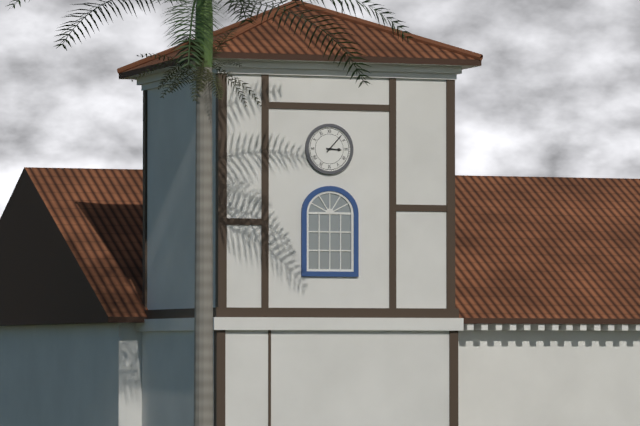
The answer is 3,07
